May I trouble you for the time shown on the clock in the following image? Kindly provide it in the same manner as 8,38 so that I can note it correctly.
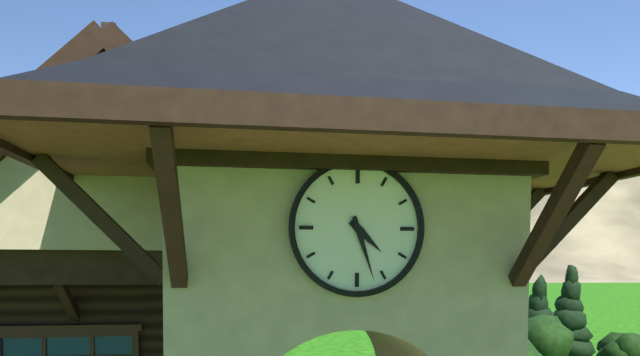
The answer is 4,27
